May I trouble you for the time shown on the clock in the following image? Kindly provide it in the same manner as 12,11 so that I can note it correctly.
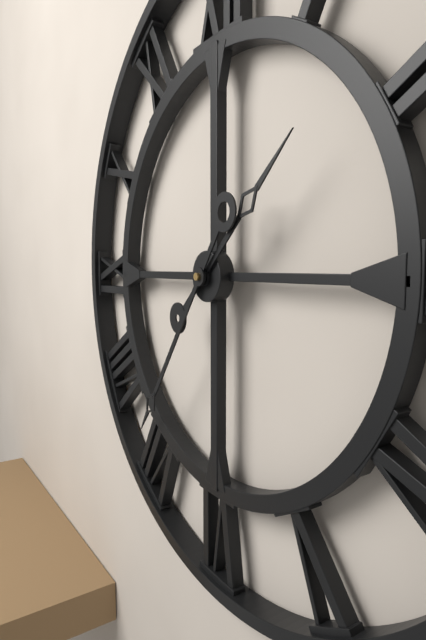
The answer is 1,36
